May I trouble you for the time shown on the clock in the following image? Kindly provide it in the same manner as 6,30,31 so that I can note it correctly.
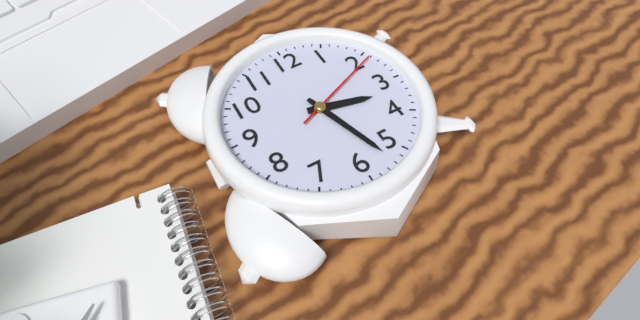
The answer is 3,27,11
